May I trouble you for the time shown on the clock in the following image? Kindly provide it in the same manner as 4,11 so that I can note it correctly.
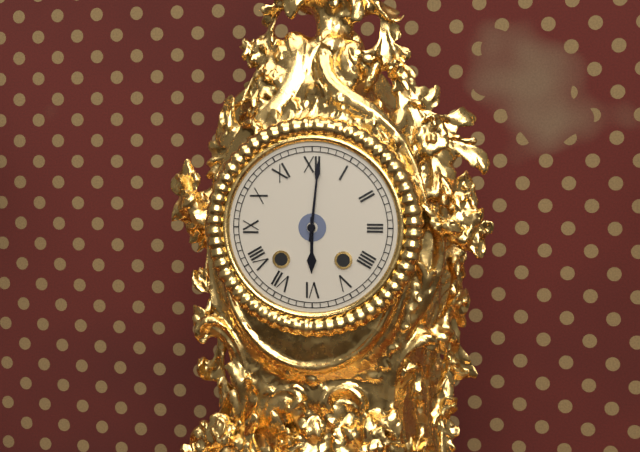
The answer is 6,01
